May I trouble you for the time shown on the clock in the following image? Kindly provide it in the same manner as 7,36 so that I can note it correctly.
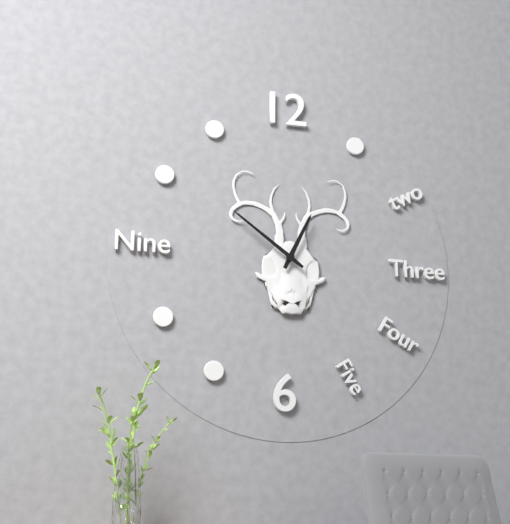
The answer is 12,51
